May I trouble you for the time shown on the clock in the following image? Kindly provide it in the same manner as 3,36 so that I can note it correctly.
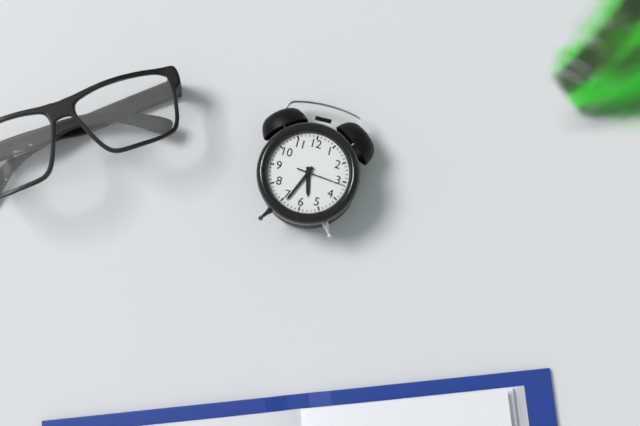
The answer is 5,34
